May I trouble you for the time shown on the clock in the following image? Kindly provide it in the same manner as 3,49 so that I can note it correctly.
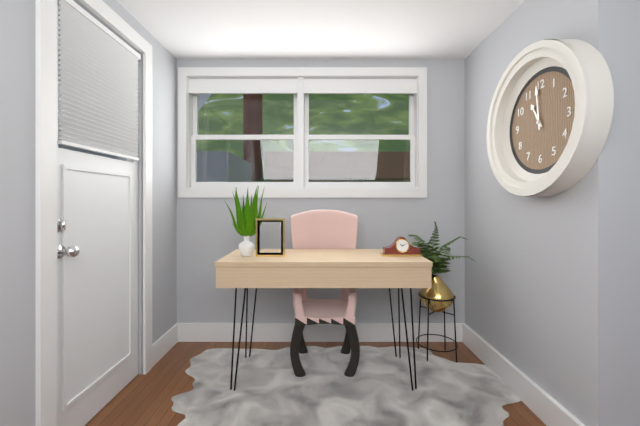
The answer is 10,59
